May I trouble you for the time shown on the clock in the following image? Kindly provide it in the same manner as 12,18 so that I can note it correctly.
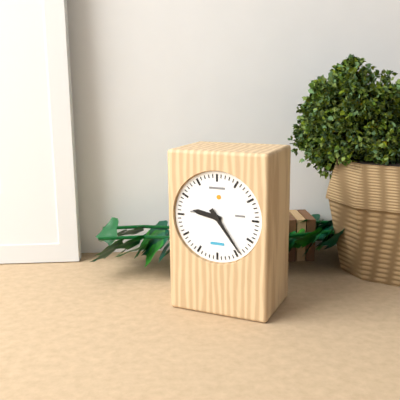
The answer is 9,24
